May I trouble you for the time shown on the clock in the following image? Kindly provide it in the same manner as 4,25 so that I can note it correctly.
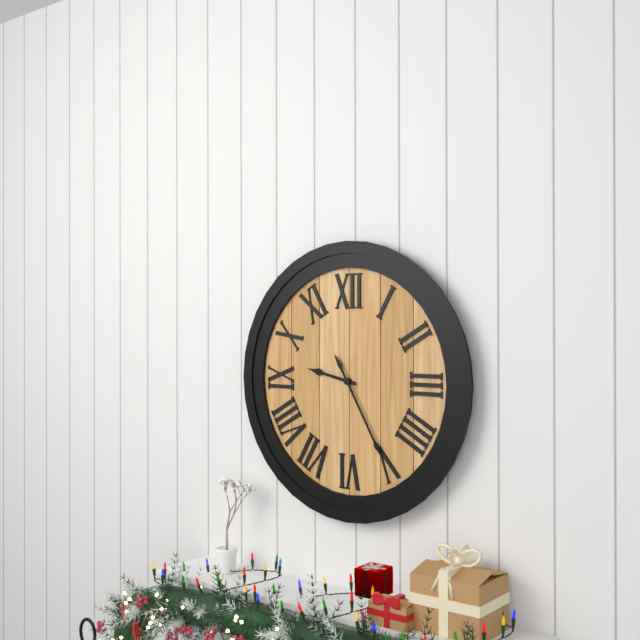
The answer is 9,25
